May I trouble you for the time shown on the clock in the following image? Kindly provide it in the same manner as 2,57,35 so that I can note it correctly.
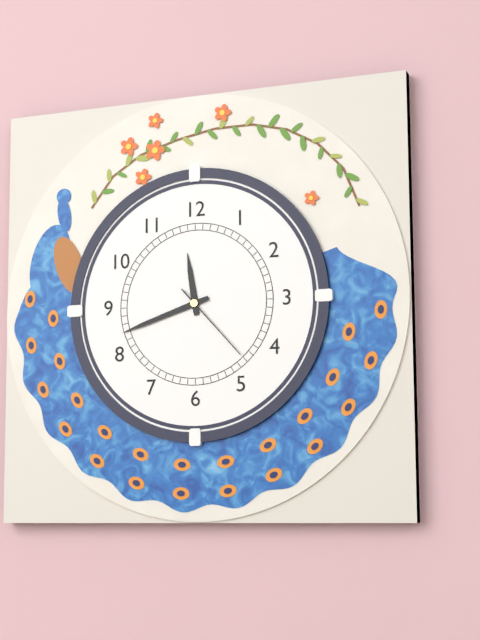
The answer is 11,42,23
